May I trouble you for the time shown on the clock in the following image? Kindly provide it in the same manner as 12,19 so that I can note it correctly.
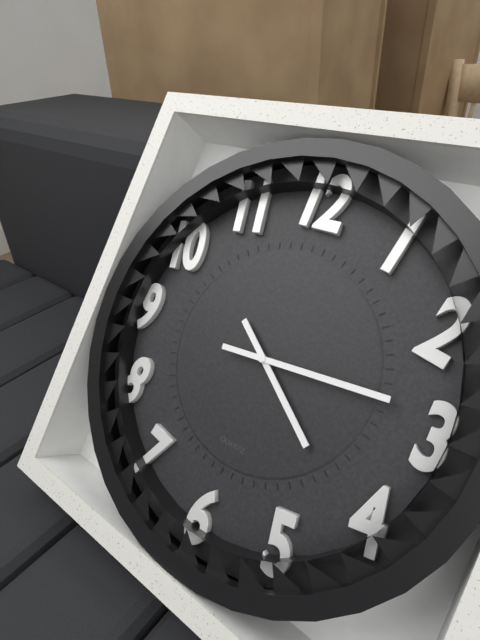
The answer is 4,14
